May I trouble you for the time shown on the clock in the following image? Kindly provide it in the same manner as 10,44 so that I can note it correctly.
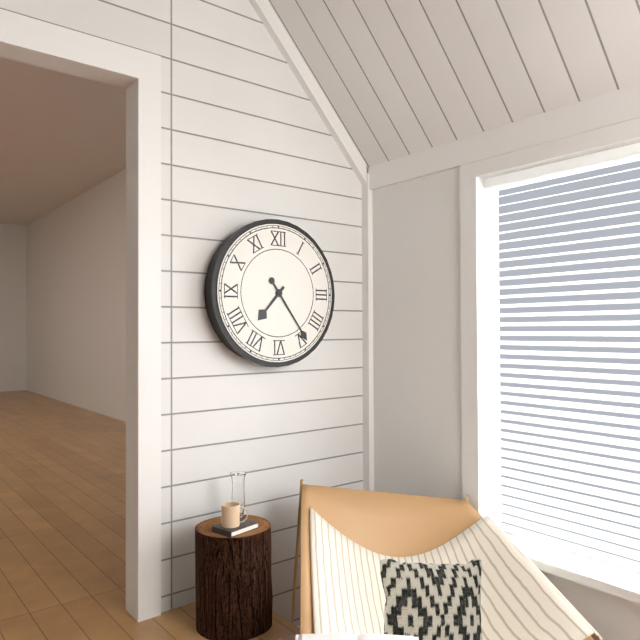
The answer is 7,24
